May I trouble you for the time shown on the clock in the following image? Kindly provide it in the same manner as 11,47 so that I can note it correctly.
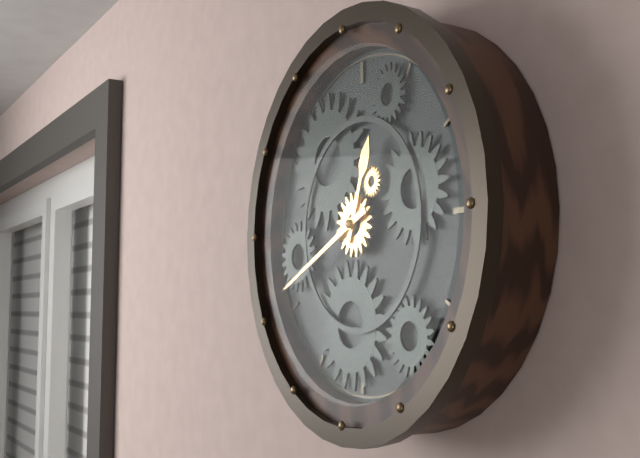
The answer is 12,41
